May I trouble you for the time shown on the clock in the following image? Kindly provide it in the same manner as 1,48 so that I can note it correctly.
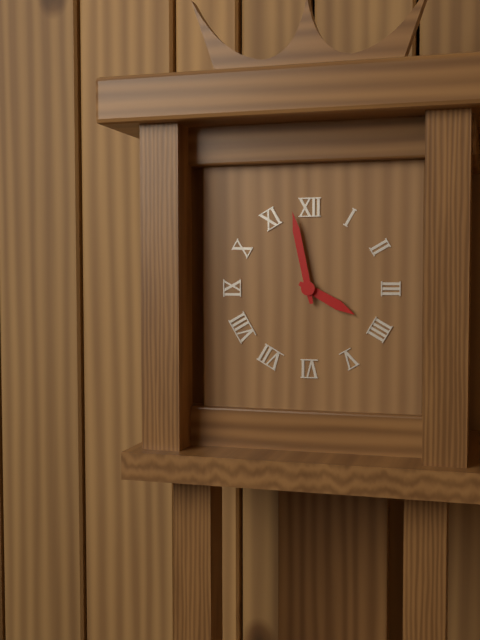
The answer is 3,58
